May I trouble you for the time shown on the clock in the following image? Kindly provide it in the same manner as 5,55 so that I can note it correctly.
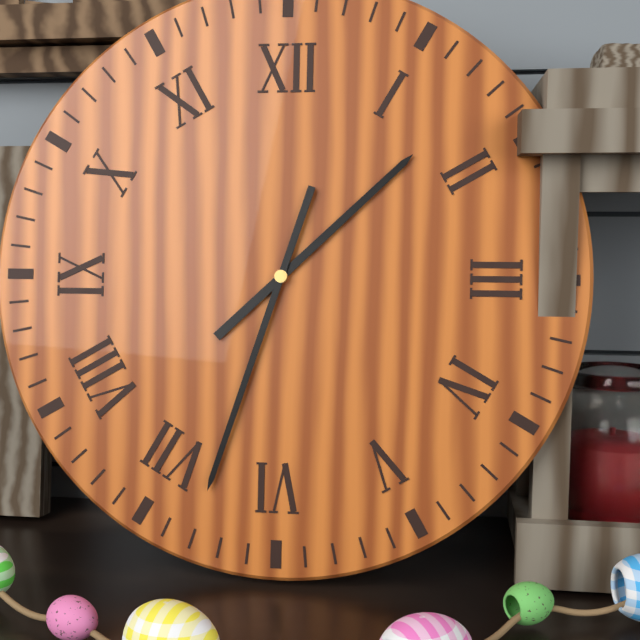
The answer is 1,33
